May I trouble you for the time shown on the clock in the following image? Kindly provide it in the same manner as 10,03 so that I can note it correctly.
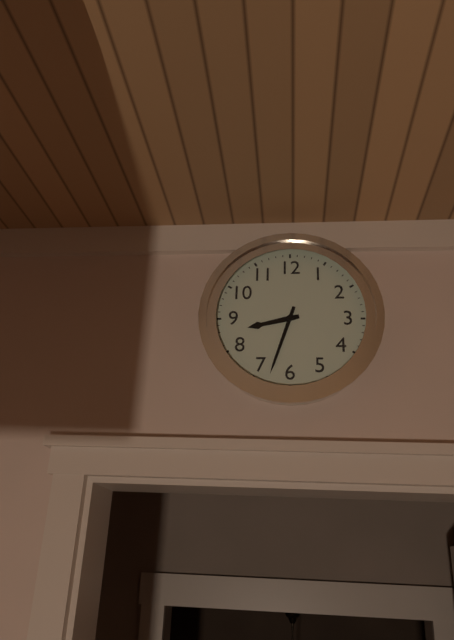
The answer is 8,33
